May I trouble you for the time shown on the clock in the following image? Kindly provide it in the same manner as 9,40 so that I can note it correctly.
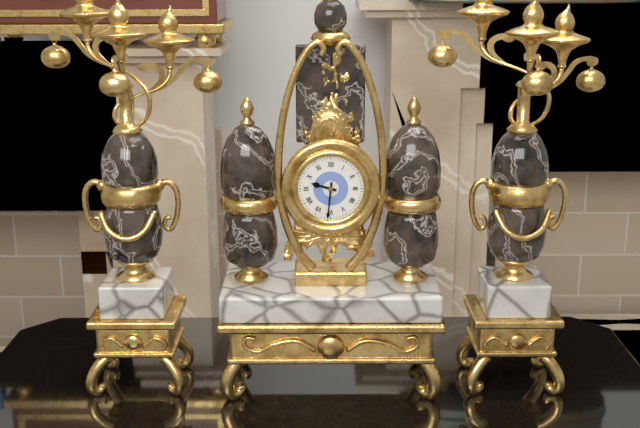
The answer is 9,31
